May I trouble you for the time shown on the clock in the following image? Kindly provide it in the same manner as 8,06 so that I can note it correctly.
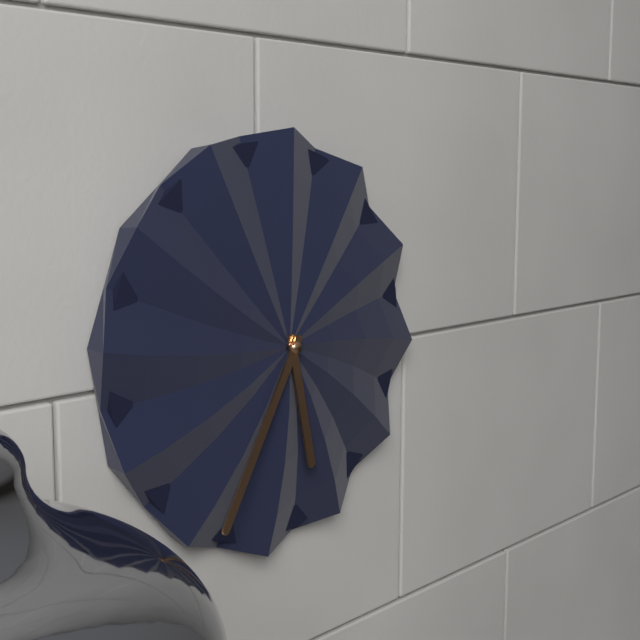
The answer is 5,35
